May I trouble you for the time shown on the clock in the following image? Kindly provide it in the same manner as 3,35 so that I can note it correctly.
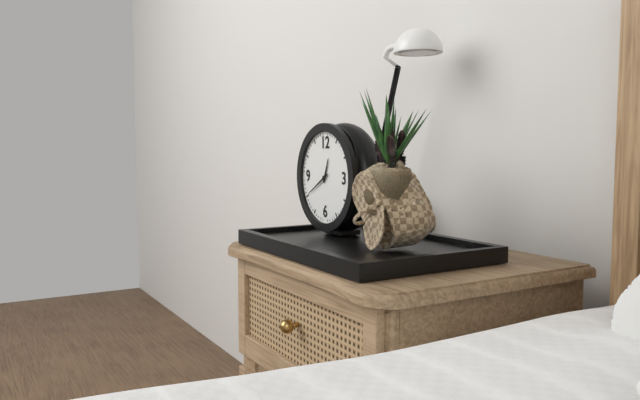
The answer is 12,40
